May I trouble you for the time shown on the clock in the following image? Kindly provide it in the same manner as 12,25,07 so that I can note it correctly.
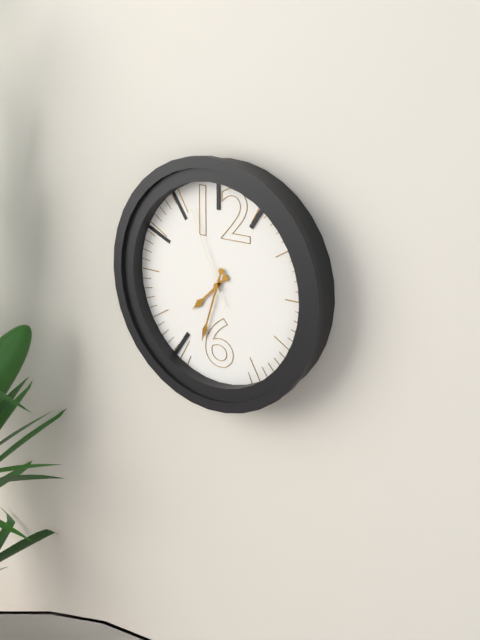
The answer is 7,33,56
